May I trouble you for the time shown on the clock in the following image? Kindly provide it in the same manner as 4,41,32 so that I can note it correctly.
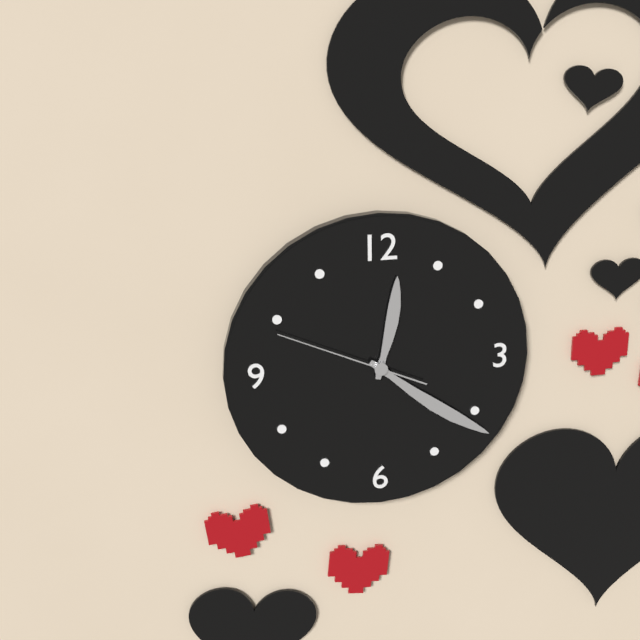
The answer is 12,21,49
